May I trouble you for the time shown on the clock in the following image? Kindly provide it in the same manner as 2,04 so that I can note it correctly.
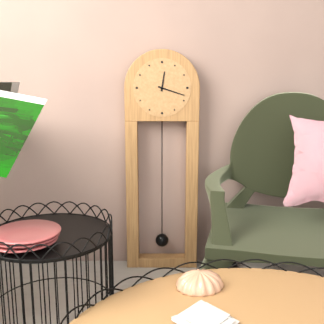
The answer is 12,18
